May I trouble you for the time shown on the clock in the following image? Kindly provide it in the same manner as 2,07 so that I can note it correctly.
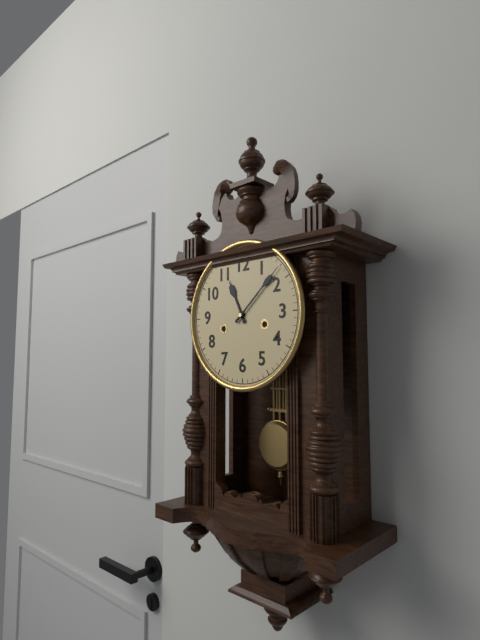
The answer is 11,08
